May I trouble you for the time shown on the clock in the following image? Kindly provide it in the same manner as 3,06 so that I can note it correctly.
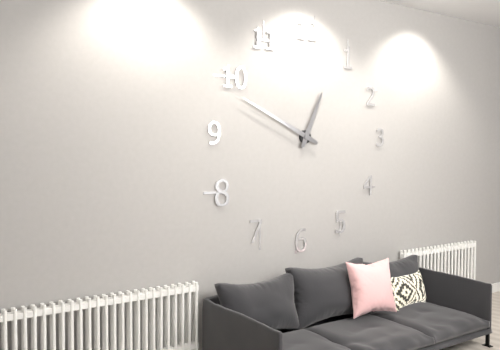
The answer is 12,49
